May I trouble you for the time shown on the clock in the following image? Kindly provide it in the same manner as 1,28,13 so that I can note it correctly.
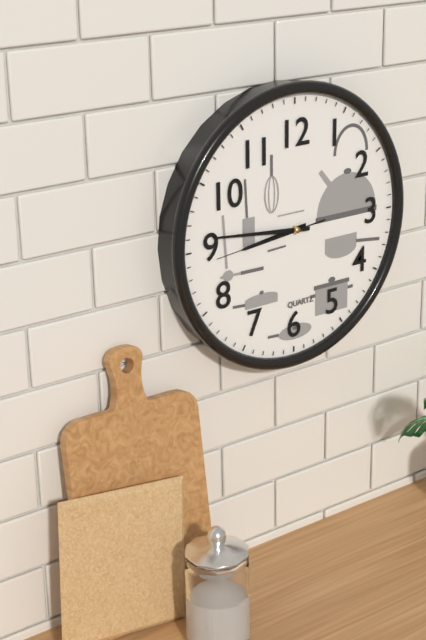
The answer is 8,46,44
